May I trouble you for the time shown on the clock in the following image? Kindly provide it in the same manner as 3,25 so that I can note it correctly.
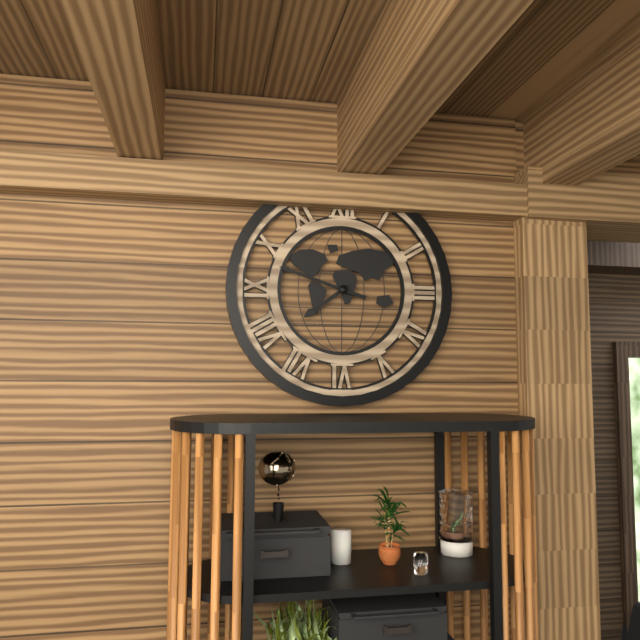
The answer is 7,48
